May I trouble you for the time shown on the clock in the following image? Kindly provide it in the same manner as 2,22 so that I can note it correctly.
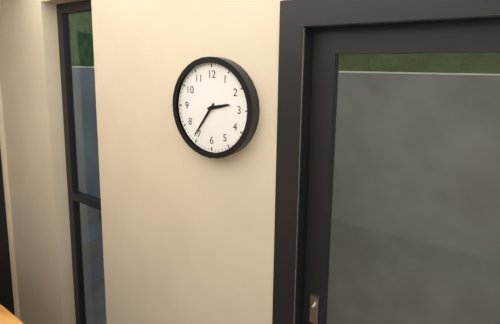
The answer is 2,36
